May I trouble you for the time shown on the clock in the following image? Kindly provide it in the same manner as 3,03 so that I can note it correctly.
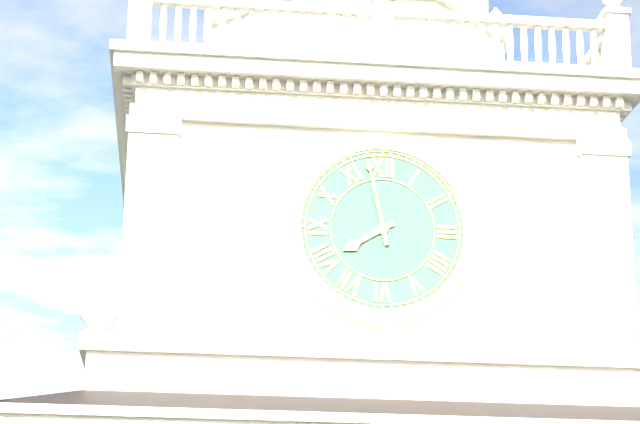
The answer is 7,58
